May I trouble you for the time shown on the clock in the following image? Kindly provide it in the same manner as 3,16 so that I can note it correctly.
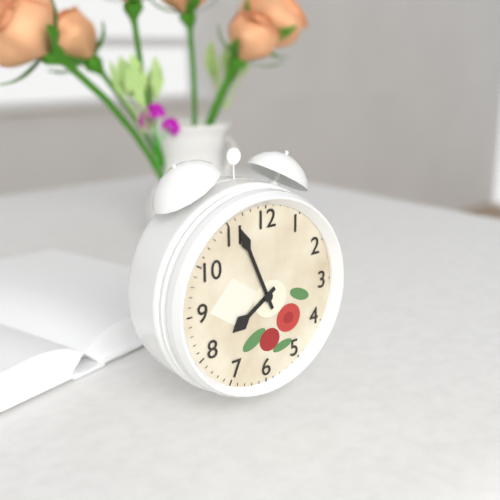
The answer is 7,56
